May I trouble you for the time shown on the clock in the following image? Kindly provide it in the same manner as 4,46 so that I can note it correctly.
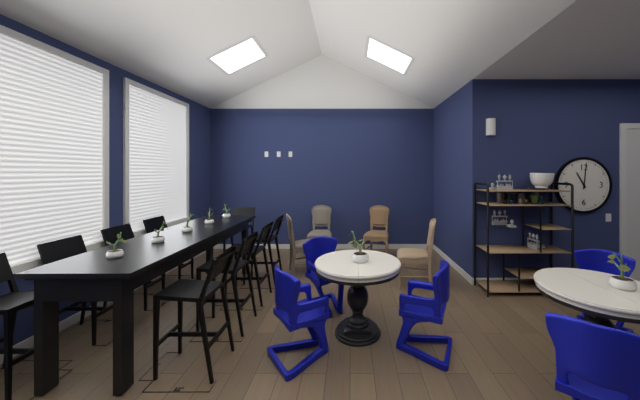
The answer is 11,01
